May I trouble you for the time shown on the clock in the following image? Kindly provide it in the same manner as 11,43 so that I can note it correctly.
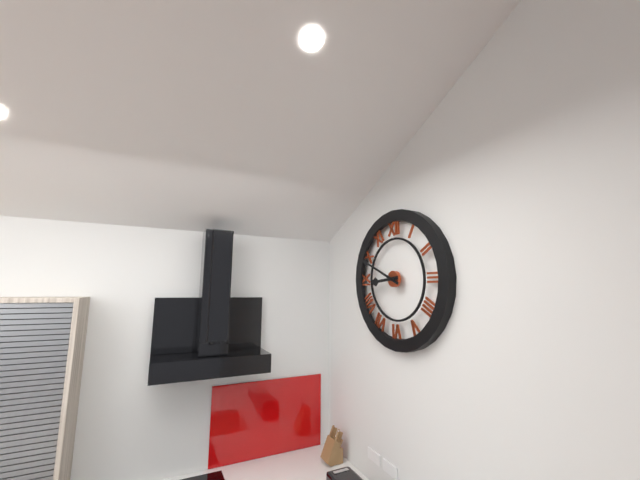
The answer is 8,49
